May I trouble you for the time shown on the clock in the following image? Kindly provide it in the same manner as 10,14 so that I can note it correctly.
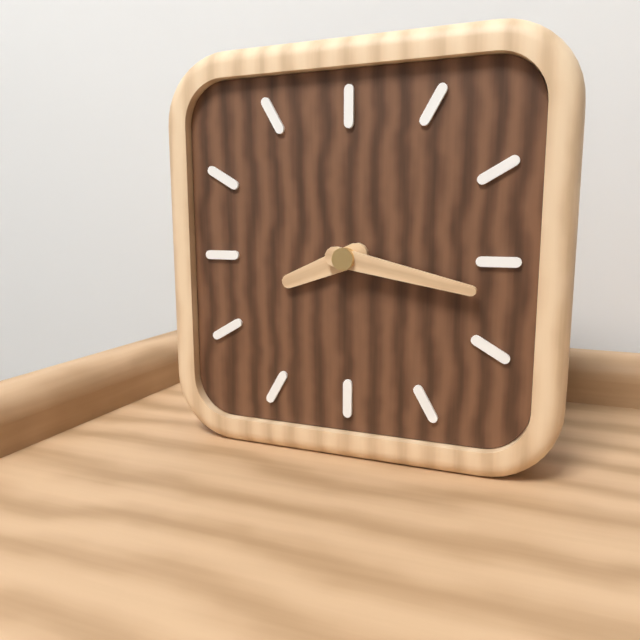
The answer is 8,17
